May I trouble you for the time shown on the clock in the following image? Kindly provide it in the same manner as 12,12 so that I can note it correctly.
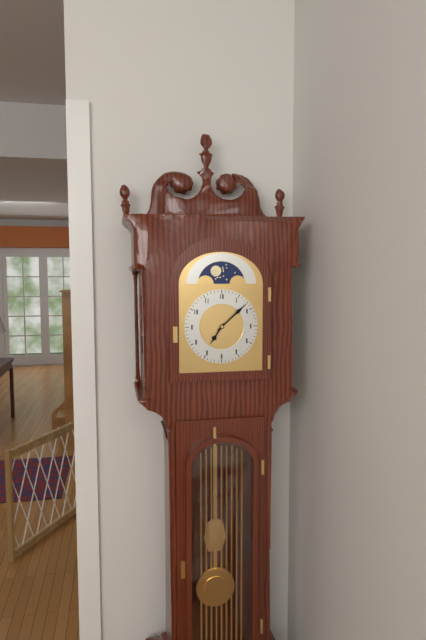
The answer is 7,08
